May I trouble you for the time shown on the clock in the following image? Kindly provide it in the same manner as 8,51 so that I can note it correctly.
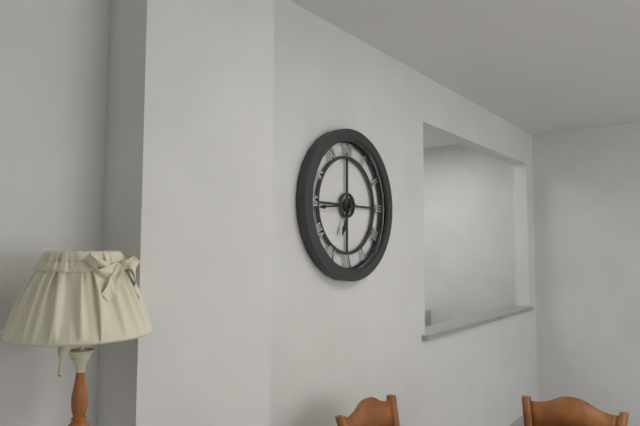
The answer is 6,44
